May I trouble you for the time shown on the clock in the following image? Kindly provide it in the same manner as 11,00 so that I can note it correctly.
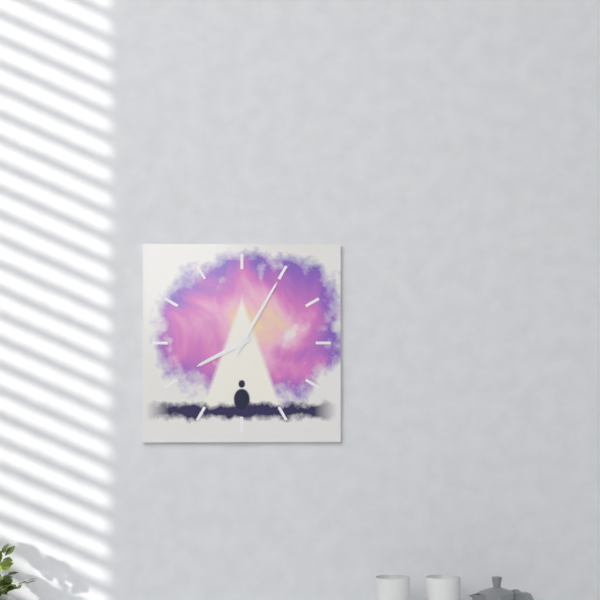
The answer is 8,05
